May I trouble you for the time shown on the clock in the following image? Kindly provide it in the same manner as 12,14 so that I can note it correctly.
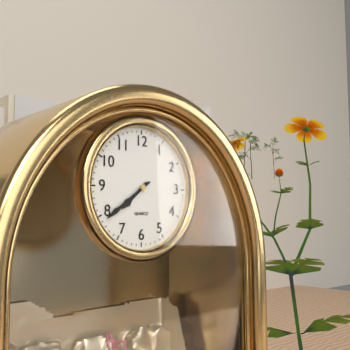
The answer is 7,39
